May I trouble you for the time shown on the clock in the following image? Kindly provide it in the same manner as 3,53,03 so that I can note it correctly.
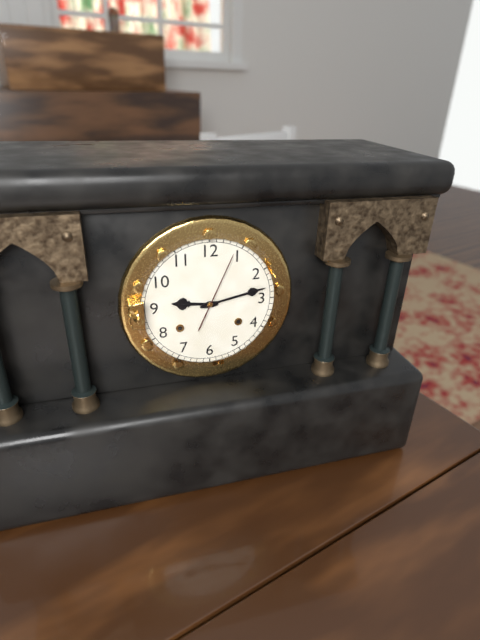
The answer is 9,13,04
